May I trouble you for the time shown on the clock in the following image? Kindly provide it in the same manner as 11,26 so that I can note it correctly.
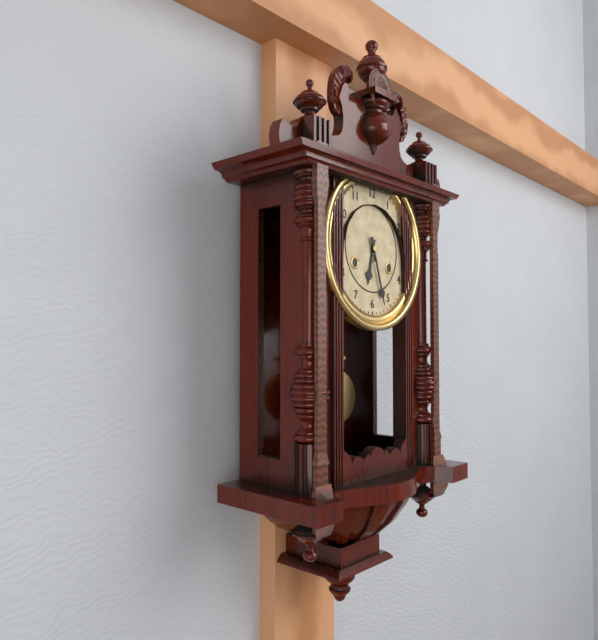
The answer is 6,27
